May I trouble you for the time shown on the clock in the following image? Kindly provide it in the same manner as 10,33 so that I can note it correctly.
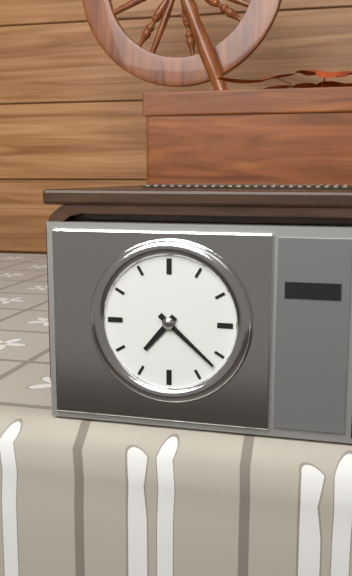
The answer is 7,22
